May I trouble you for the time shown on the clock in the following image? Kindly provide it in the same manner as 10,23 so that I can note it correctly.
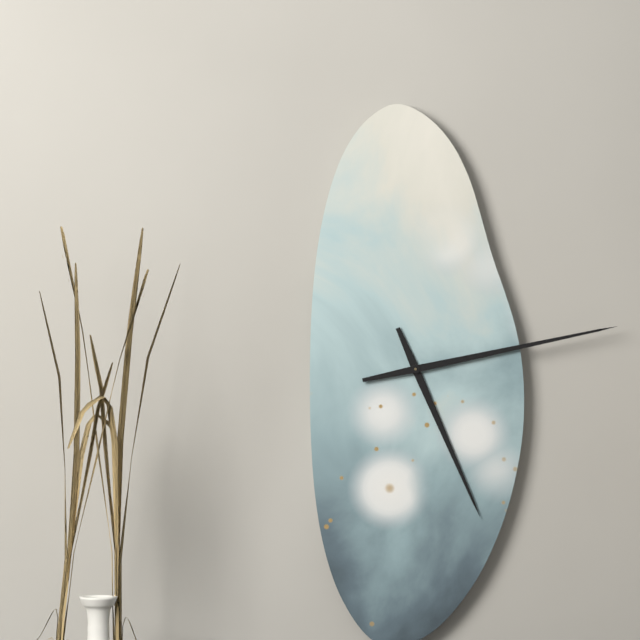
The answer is 5,13
